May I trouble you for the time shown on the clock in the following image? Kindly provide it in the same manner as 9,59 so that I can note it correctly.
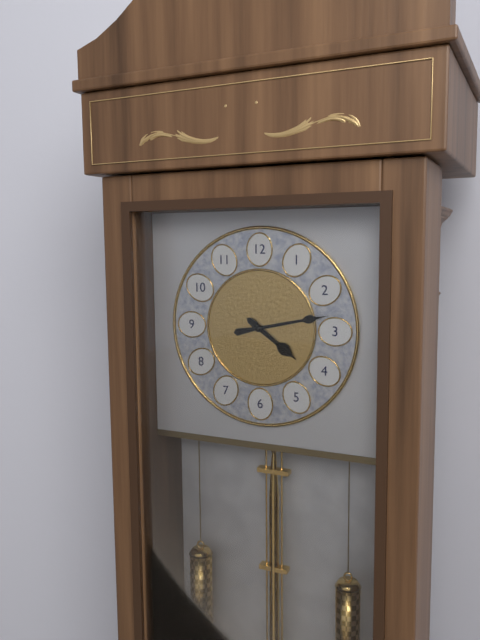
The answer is 4,13
